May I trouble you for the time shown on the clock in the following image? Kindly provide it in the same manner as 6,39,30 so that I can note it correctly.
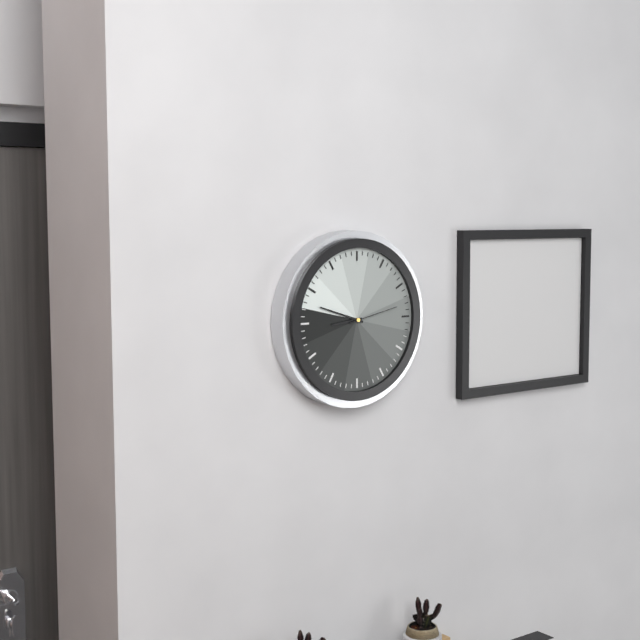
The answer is 8,48,13
